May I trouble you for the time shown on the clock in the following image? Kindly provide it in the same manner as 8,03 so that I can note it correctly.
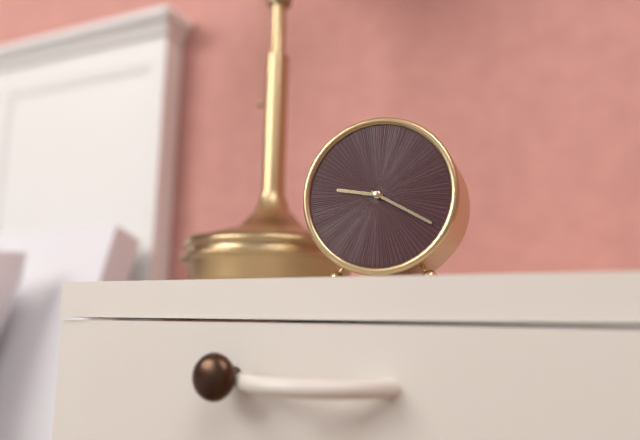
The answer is 9,20
